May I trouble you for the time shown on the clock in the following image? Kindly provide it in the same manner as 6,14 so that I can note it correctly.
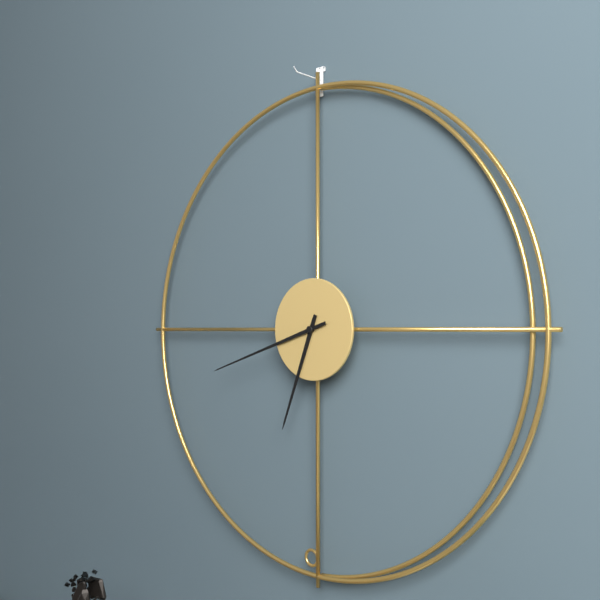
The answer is 6,42
